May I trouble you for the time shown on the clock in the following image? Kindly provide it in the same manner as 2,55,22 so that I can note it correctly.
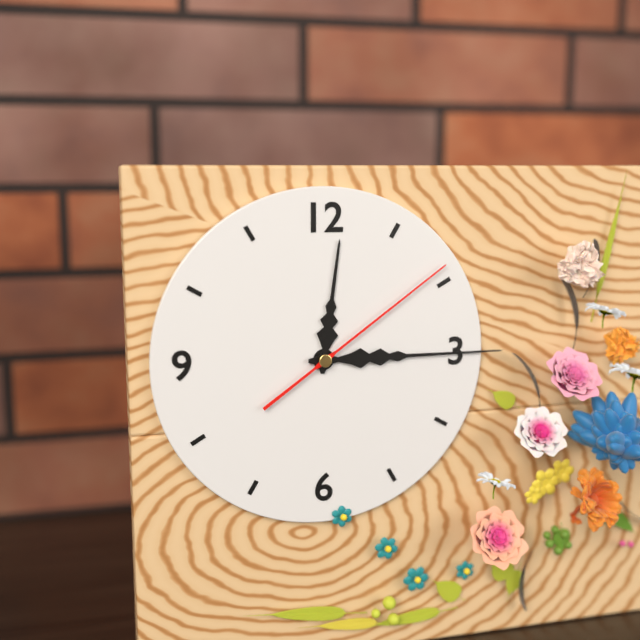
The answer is 12,15,09
